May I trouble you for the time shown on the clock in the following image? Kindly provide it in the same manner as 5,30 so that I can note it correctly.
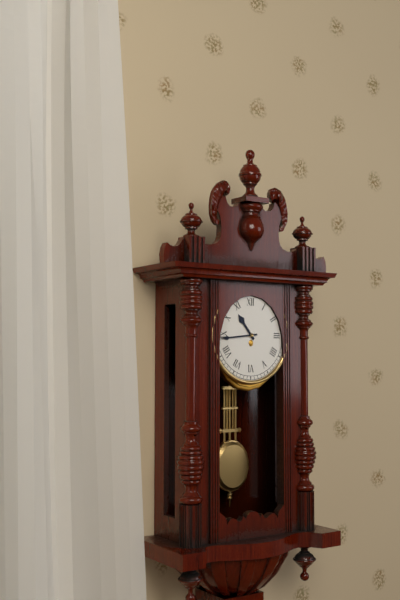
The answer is 10,44
